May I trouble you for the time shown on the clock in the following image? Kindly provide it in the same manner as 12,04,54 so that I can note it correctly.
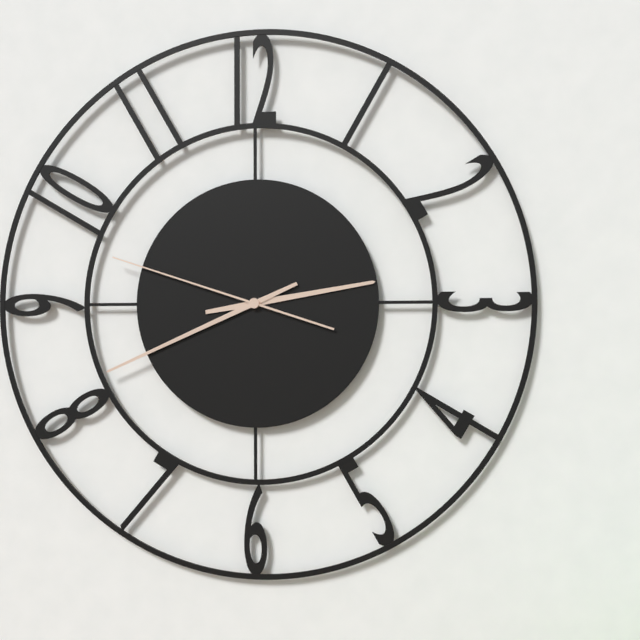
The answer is 2,41,48
